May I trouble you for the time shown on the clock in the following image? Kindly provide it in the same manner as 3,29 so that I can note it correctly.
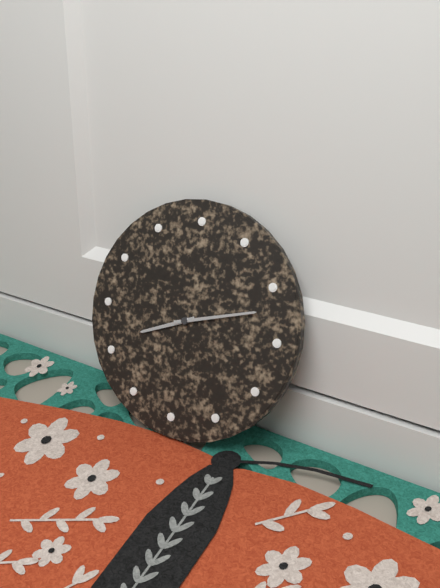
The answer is 8,12
